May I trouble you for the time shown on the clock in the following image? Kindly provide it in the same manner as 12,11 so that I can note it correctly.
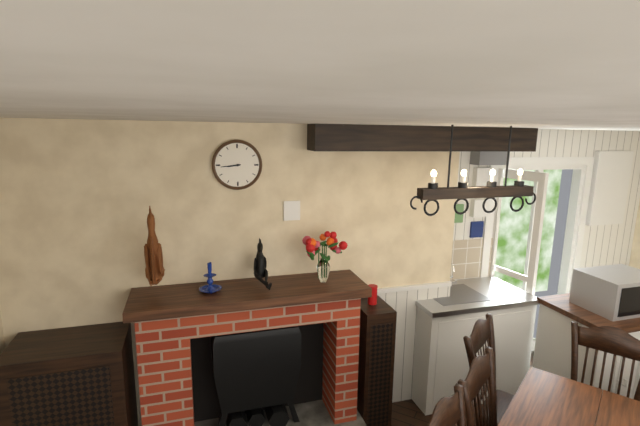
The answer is 8,44
